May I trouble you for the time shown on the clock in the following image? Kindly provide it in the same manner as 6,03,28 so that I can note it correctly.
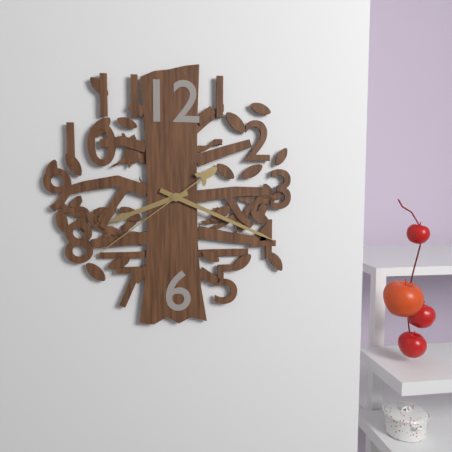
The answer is 8,19,39
